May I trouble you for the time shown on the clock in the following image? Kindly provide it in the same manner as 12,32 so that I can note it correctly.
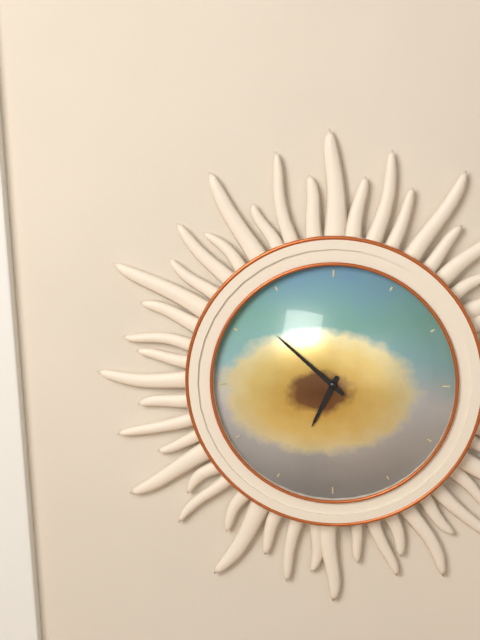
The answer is 6,52
